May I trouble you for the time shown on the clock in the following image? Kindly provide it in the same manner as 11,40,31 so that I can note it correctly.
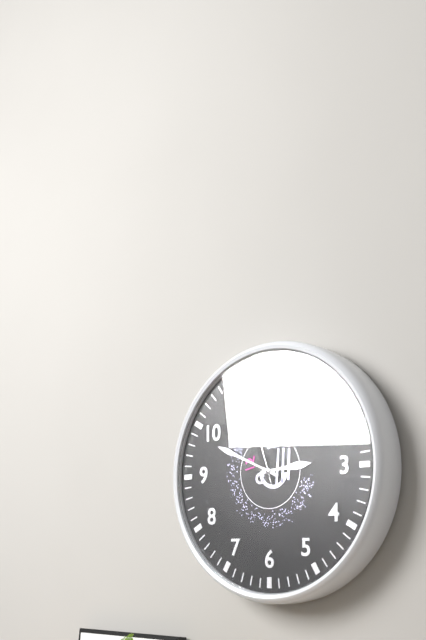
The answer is 2,49,57
